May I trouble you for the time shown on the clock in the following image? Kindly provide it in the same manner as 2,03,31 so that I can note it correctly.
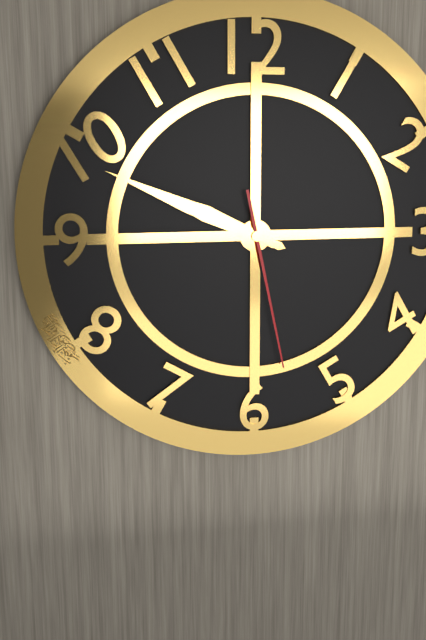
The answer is 9,49,28
